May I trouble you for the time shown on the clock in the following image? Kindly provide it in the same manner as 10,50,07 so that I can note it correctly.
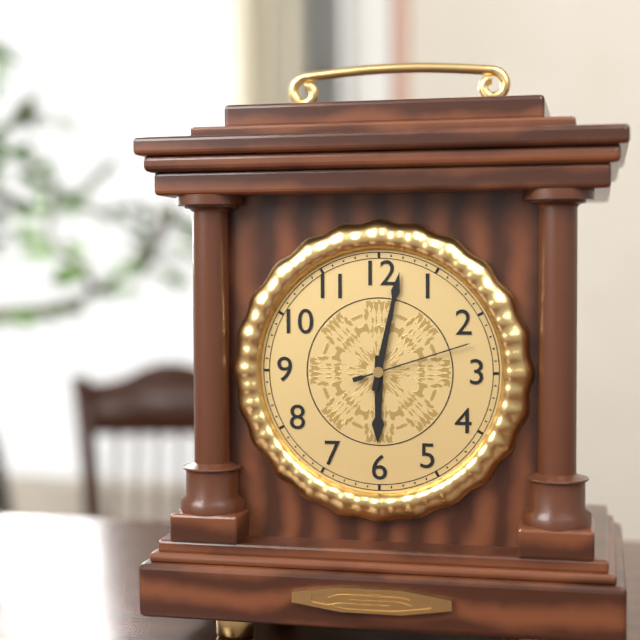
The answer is 6,02,12
